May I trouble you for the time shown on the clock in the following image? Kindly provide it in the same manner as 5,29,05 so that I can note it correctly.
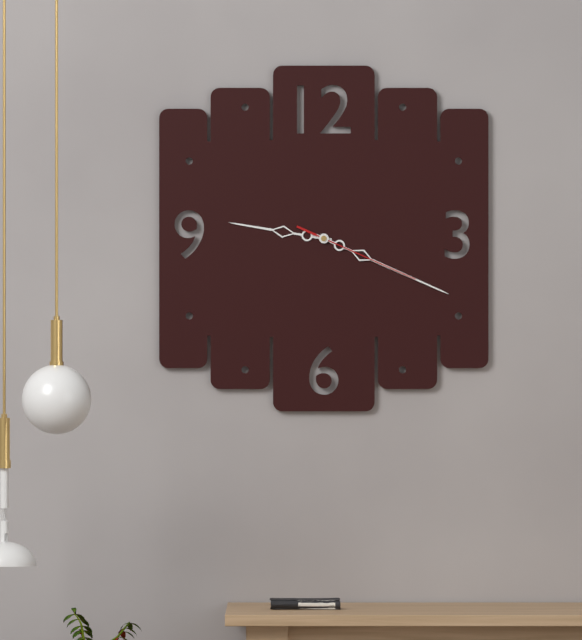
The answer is 9,19,19
